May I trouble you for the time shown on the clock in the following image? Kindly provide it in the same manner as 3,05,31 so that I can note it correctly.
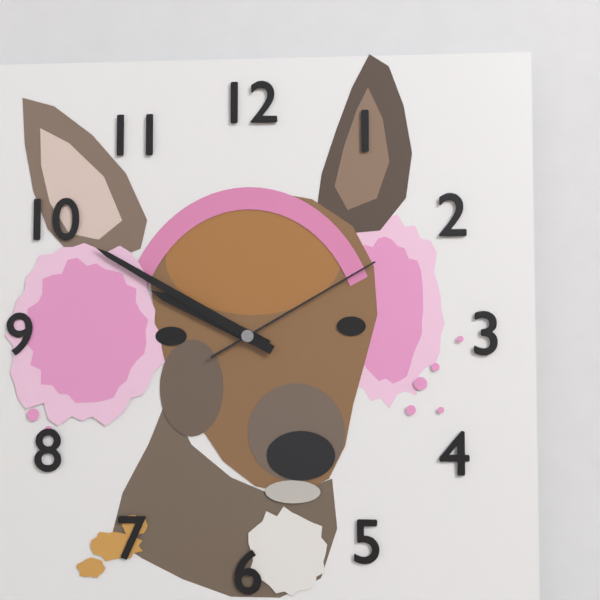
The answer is 9,50,10
